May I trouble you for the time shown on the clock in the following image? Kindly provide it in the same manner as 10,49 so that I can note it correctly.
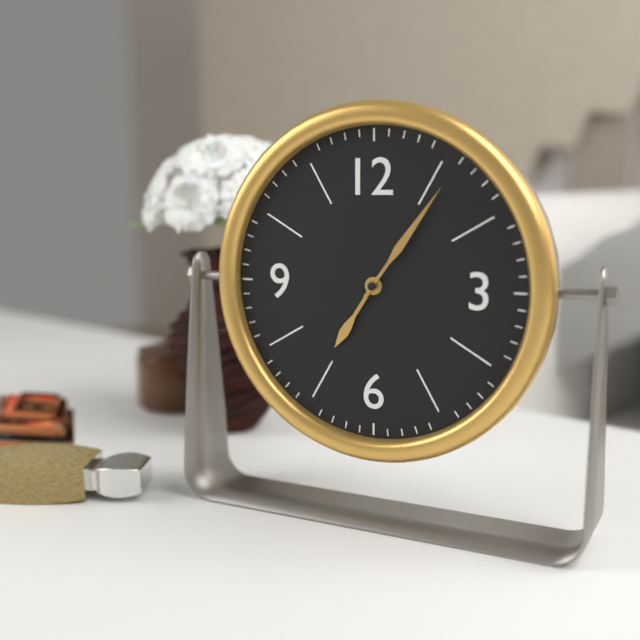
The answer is 7,06
